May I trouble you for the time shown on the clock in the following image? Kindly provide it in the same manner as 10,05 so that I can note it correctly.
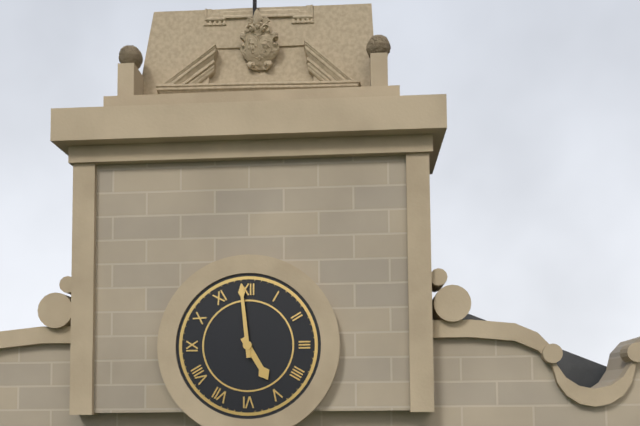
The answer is 4,59
